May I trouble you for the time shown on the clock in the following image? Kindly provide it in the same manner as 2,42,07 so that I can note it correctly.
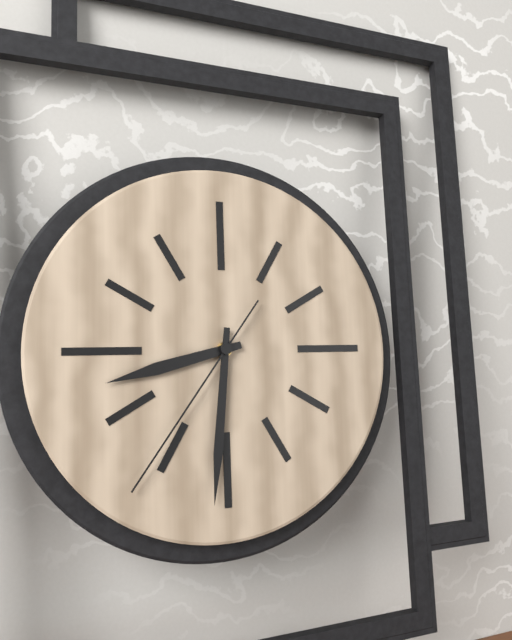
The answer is 8,31,36
